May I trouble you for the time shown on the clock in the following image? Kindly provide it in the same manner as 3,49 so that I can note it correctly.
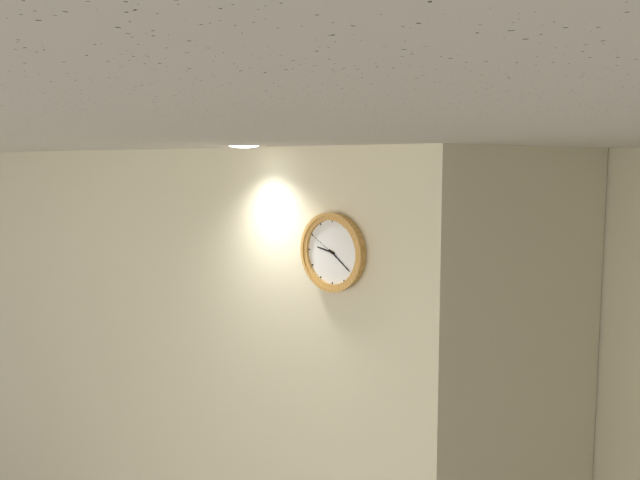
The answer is 9,21
